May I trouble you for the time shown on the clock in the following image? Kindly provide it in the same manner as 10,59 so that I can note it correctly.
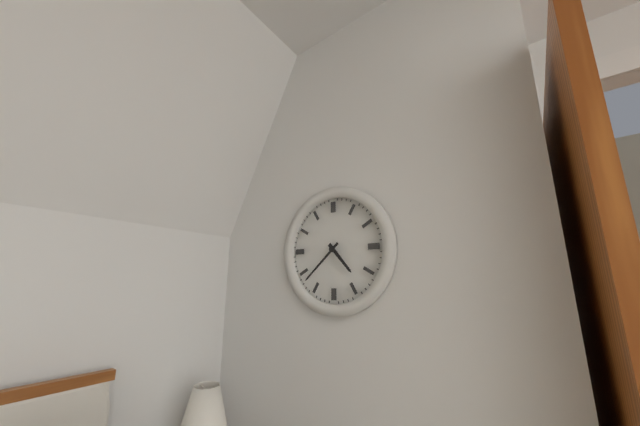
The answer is 4,38
